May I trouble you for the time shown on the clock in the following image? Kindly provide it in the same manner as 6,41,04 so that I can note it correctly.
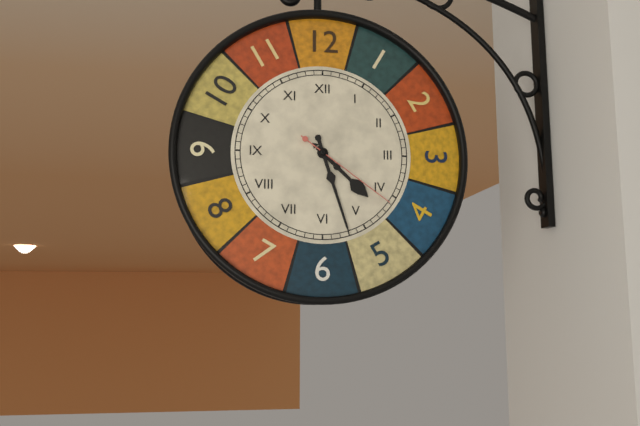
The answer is 4,27,21
